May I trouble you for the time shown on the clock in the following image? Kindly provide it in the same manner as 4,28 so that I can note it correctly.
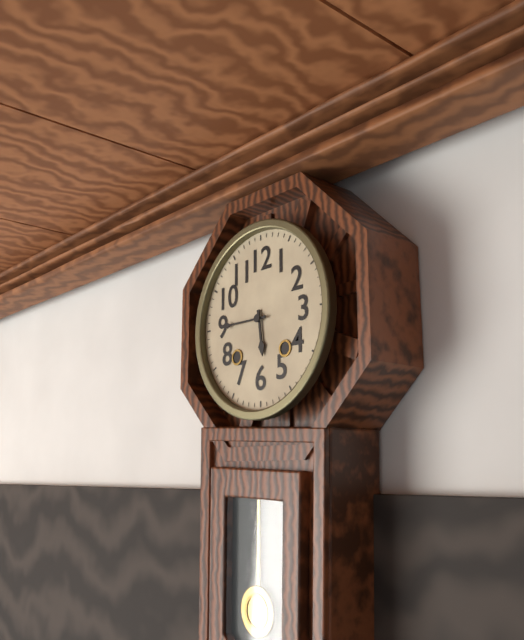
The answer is 5,45
